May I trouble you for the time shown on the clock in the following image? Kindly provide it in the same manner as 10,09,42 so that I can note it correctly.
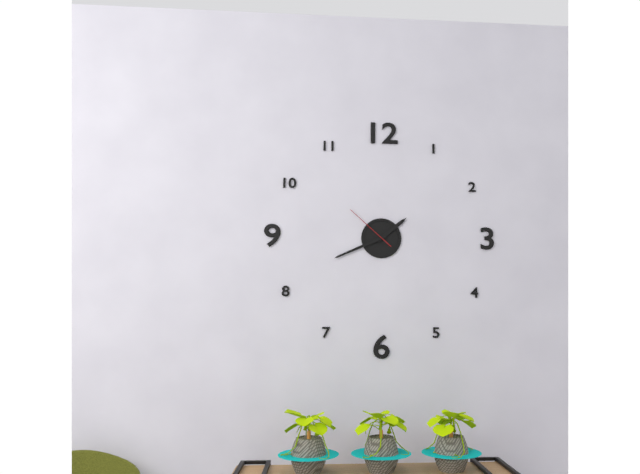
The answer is 1,41,52
